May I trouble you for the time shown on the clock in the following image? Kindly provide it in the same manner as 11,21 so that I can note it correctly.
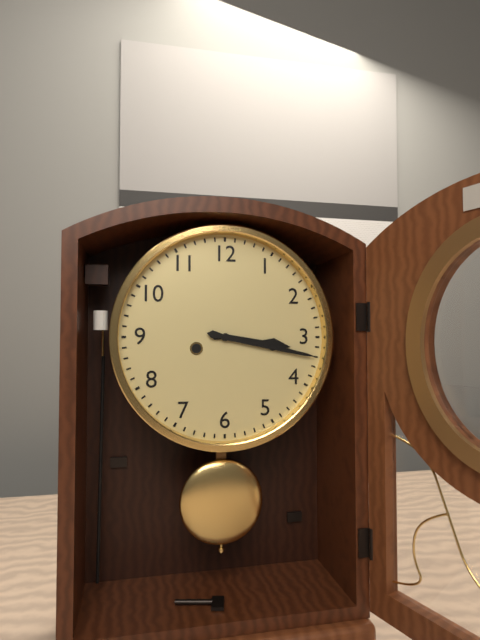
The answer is 3,17
